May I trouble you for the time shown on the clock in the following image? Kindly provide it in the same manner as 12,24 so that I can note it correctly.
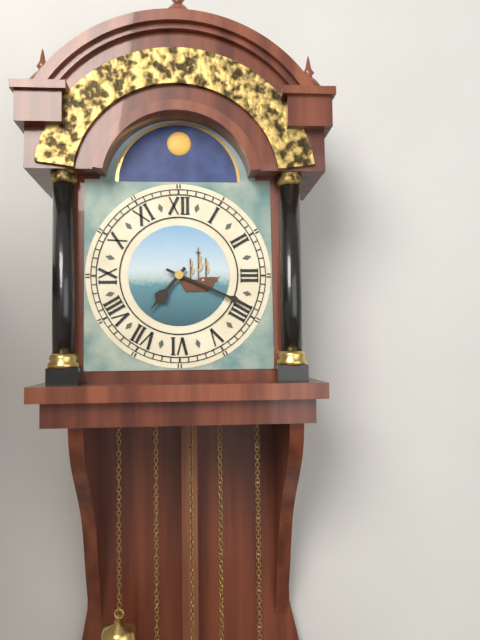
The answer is 7,19
